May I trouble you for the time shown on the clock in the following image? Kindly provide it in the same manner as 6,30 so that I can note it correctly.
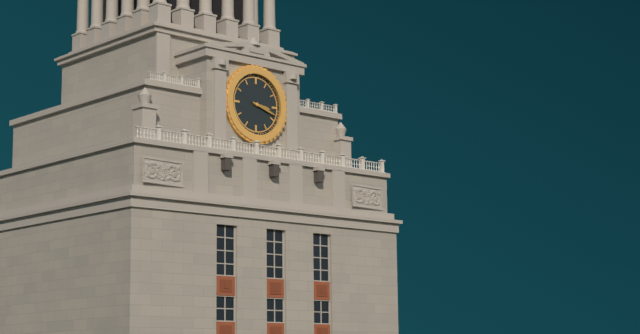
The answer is 3,18
